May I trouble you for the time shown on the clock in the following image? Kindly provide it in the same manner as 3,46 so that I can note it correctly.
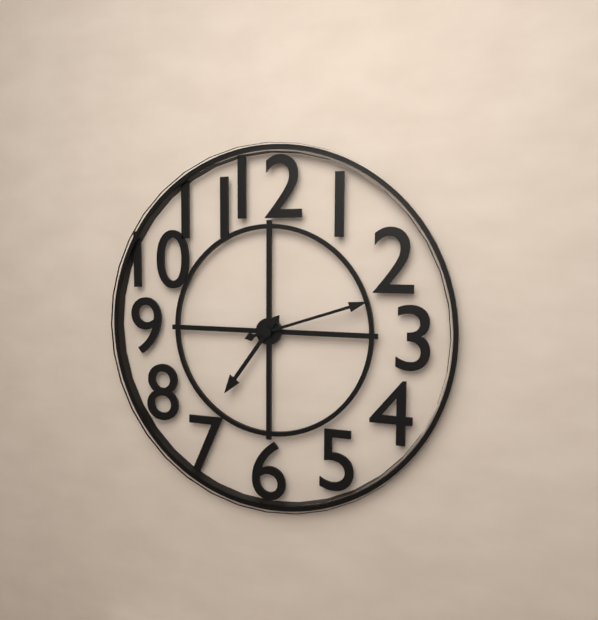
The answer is 7,12
